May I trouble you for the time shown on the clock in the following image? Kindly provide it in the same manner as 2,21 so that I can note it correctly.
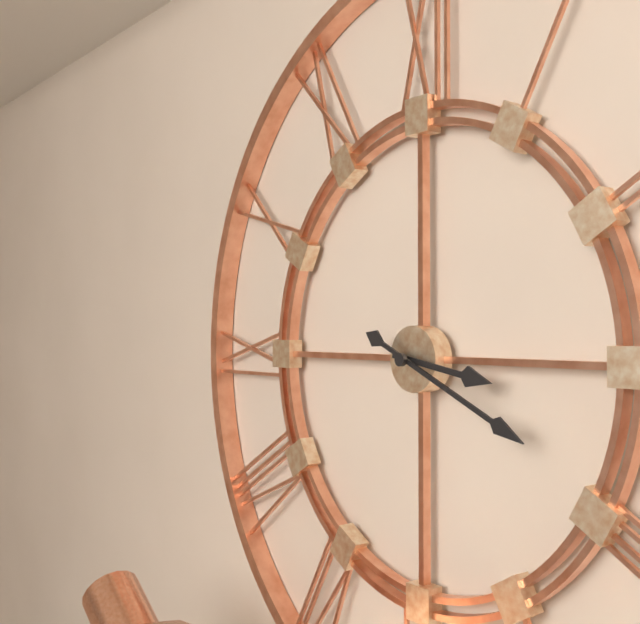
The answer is 3,19
